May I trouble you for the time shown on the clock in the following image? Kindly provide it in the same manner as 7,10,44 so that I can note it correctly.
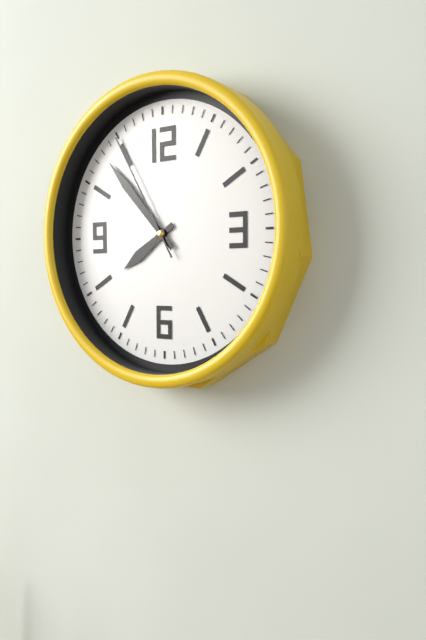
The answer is 7,53,55
